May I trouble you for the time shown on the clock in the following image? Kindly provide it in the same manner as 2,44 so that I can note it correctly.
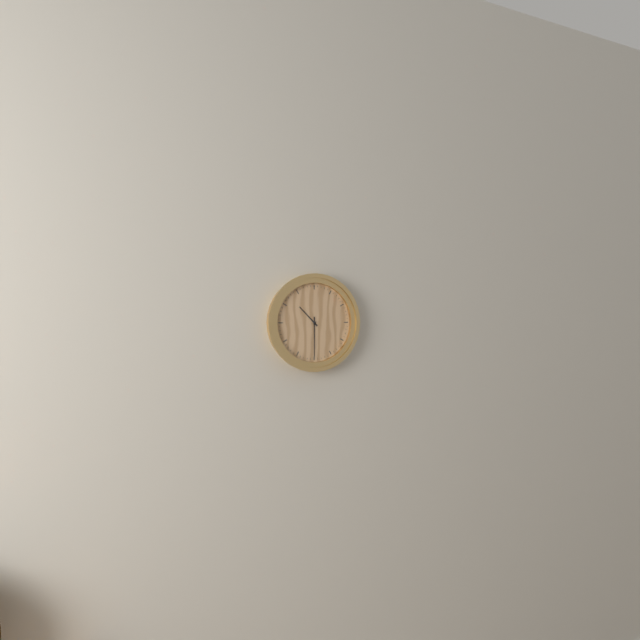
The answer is 10,30
